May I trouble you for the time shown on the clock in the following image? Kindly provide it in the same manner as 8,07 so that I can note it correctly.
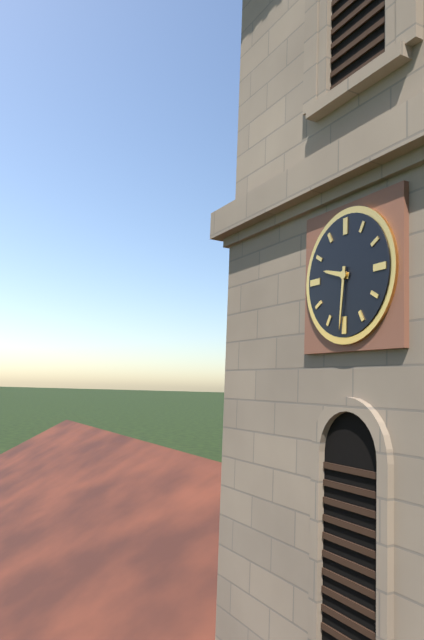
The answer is 9,31
